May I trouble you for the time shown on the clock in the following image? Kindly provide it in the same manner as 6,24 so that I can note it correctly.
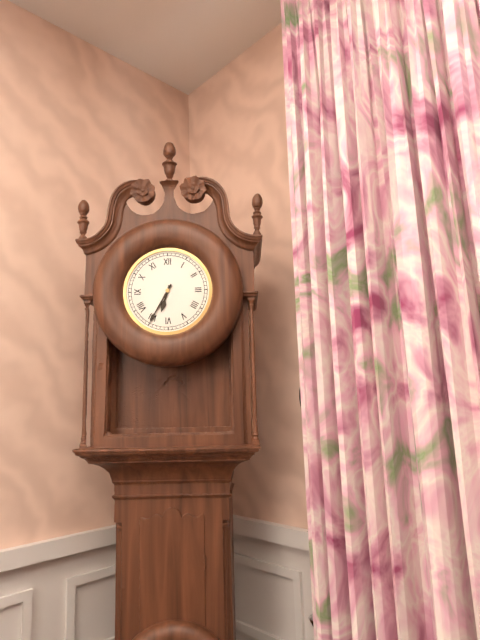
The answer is 6,35
